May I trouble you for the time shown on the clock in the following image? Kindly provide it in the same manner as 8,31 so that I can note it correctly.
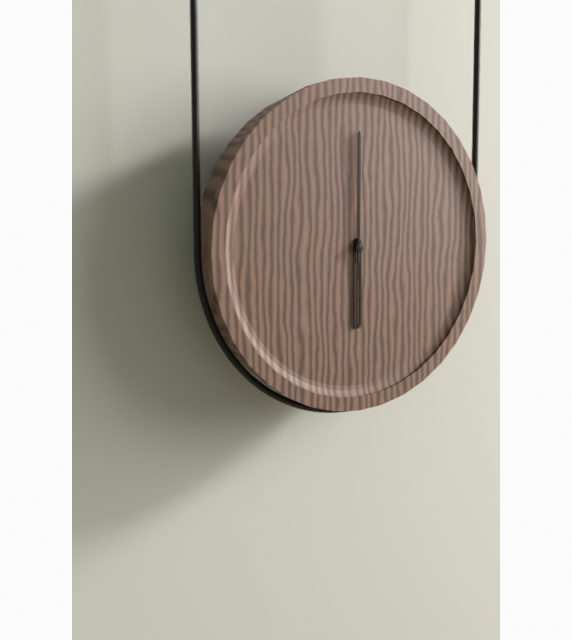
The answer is 6,00
